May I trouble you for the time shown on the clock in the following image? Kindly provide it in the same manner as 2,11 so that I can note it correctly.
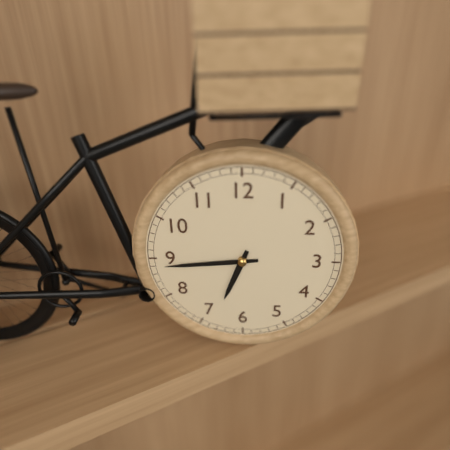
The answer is 6,44
